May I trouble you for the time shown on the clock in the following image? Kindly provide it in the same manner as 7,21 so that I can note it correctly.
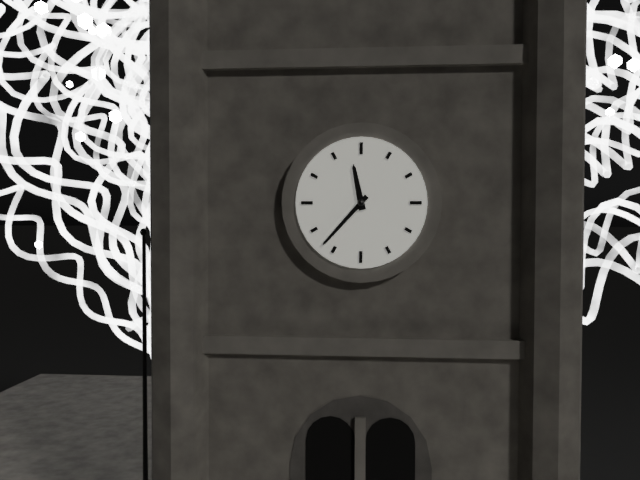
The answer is 11,37
